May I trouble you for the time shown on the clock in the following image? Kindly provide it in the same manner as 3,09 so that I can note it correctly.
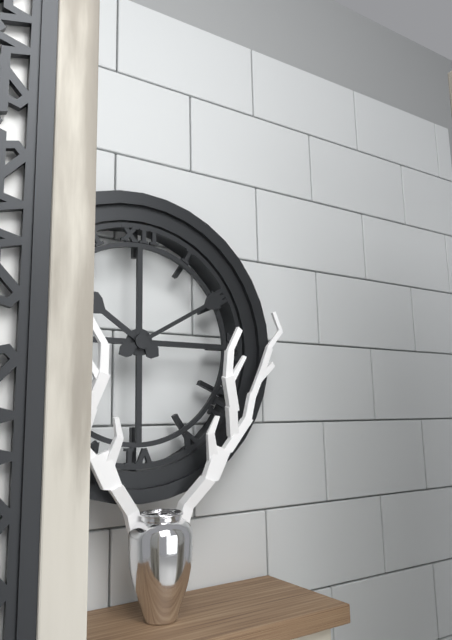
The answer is 10,10
